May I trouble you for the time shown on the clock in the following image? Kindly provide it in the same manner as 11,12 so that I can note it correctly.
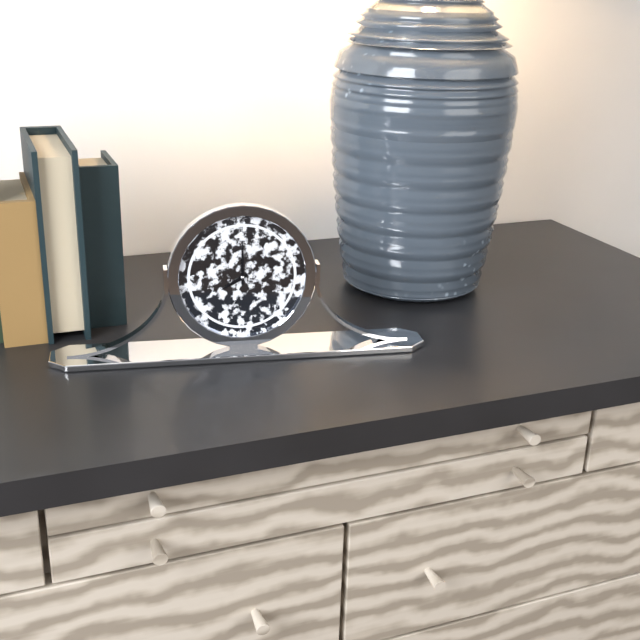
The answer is 8,00
